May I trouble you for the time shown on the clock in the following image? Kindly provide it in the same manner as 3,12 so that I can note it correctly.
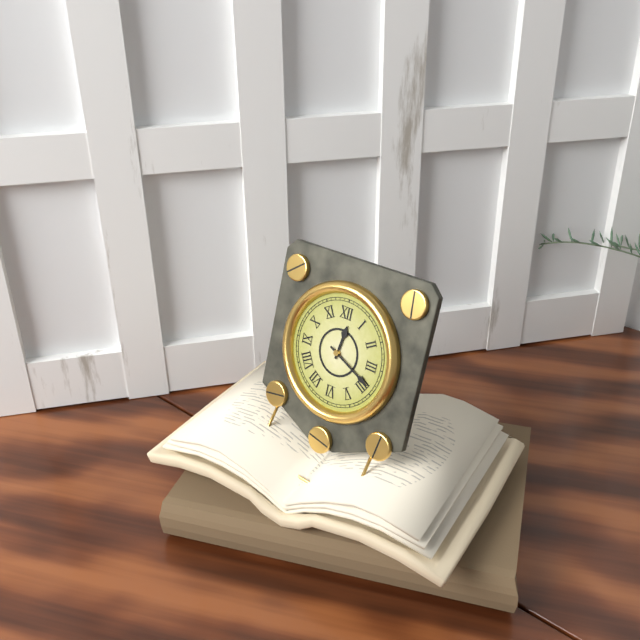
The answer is 12,19
